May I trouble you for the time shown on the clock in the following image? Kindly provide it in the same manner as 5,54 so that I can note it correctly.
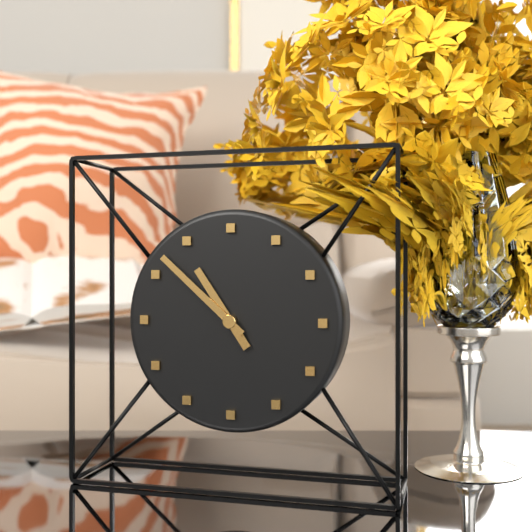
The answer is 10,52
